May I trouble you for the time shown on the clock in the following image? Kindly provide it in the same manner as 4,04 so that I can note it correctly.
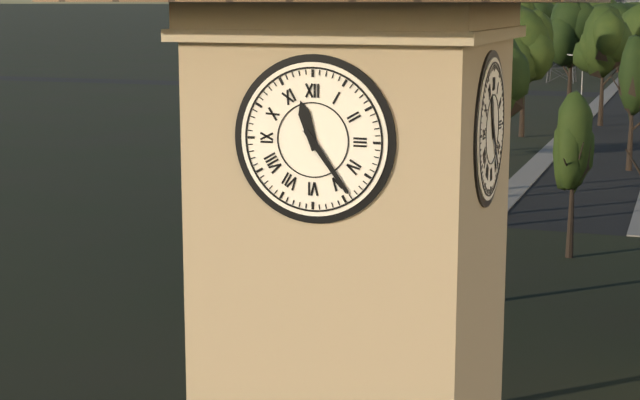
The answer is 11,24
